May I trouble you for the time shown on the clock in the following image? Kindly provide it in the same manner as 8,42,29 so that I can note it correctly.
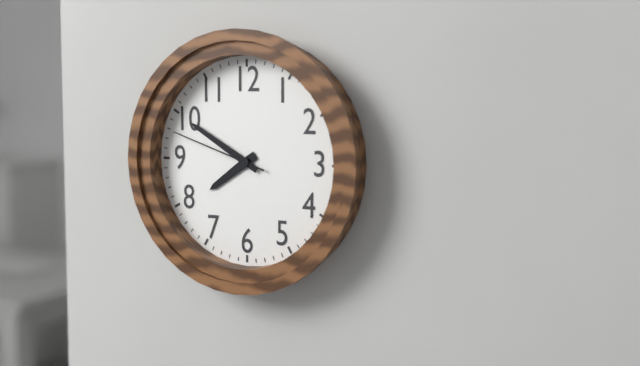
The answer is 7,50,48
